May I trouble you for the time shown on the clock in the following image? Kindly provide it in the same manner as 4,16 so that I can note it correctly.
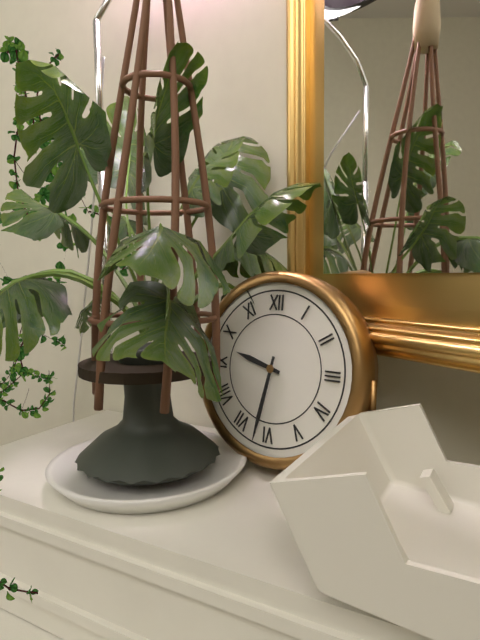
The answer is 9,32
